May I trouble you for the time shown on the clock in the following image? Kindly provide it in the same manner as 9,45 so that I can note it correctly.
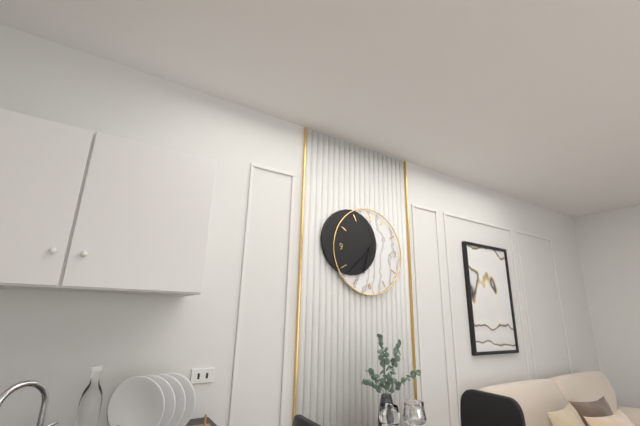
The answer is 6,38
